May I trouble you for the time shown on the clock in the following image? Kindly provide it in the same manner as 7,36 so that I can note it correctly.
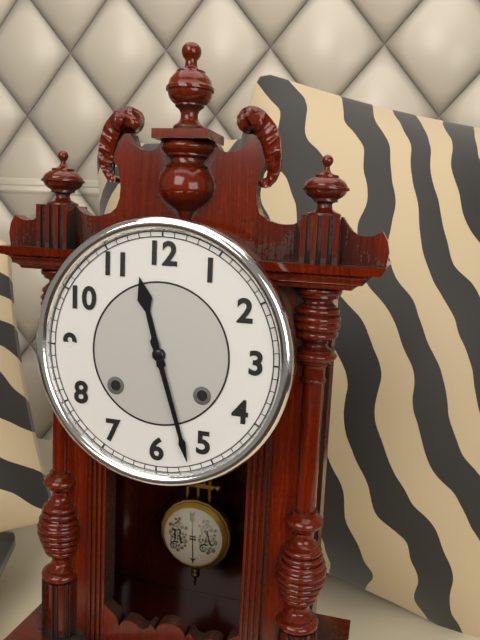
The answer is 11,27
